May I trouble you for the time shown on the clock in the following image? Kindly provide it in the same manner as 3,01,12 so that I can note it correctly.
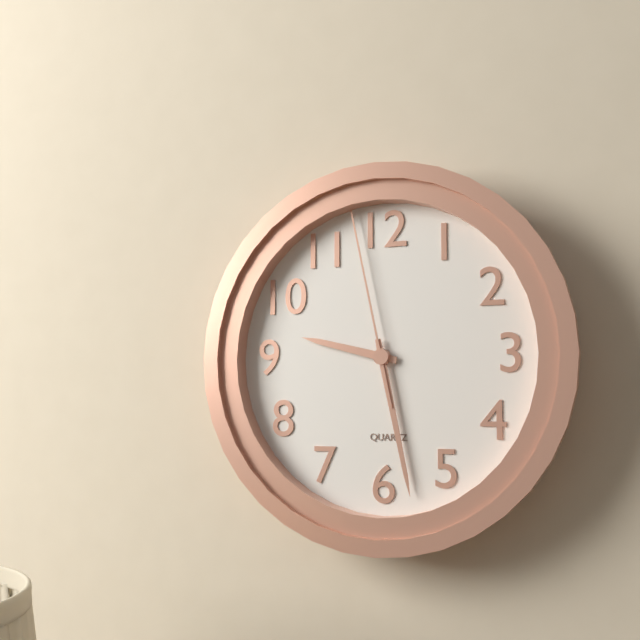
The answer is 9,28,58
